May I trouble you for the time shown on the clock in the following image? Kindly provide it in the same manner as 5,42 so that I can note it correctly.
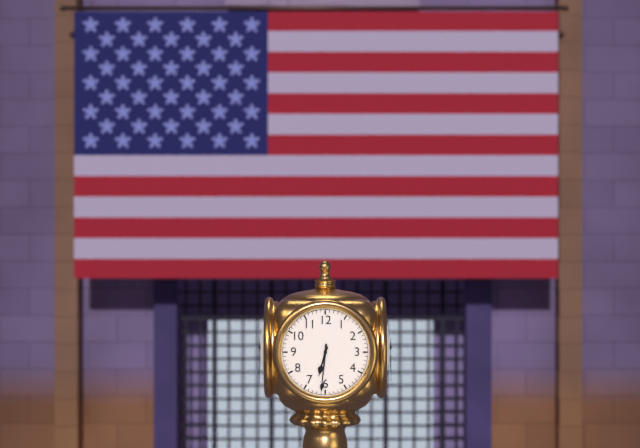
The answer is 6,31
